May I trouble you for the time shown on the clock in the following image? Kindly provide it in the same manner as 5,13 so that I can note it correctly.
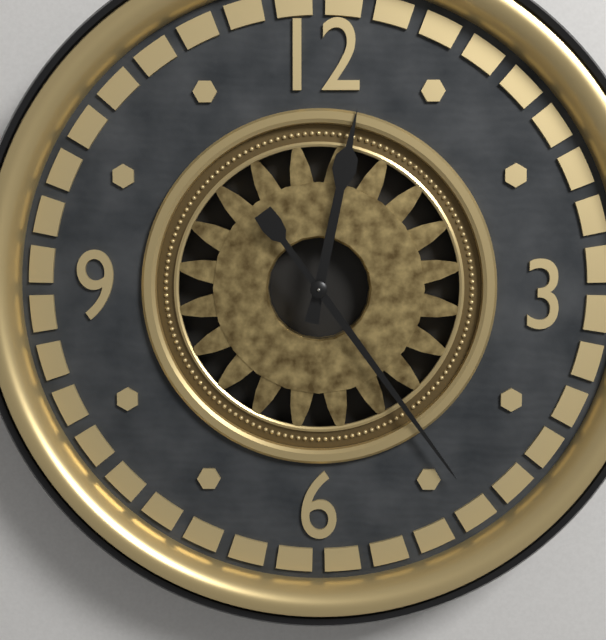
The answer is 12,24
